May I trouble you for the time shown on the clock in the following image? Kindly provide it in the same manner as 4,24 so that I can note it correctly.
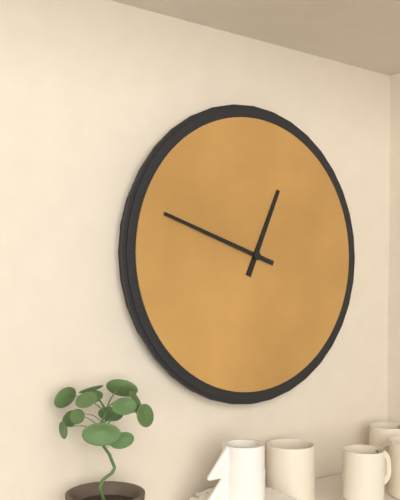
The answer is 12,48
